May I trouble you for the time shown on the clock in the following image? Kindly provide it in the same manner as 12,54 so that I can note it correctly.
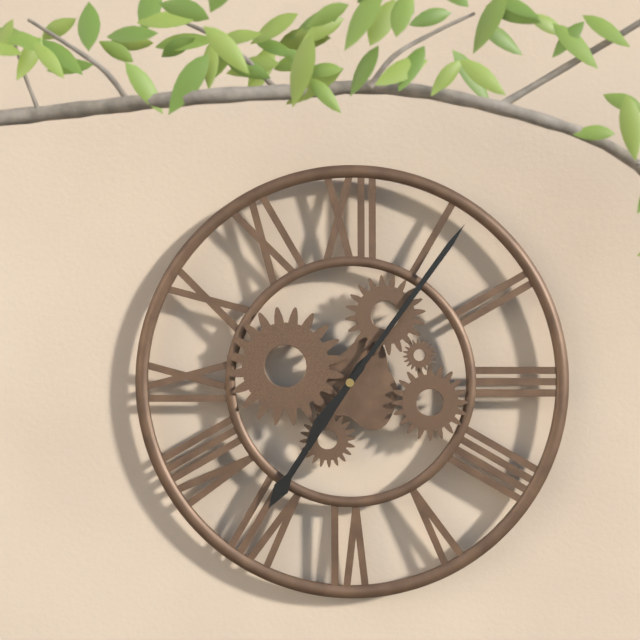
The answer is 7,06
